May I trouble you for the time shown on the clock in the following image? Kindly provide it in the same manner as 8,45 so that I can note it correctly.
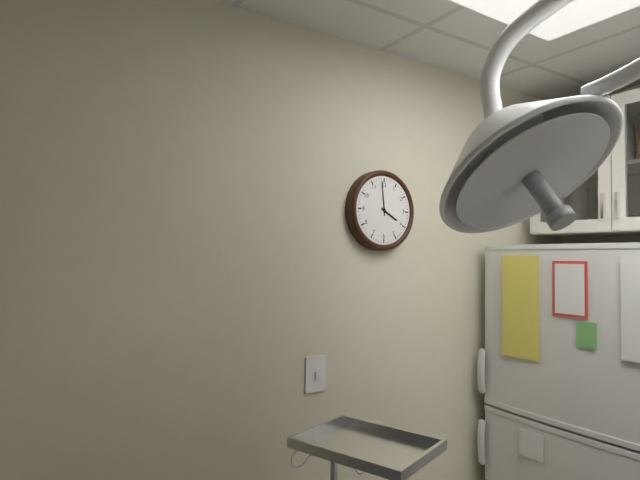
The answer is 3,59
